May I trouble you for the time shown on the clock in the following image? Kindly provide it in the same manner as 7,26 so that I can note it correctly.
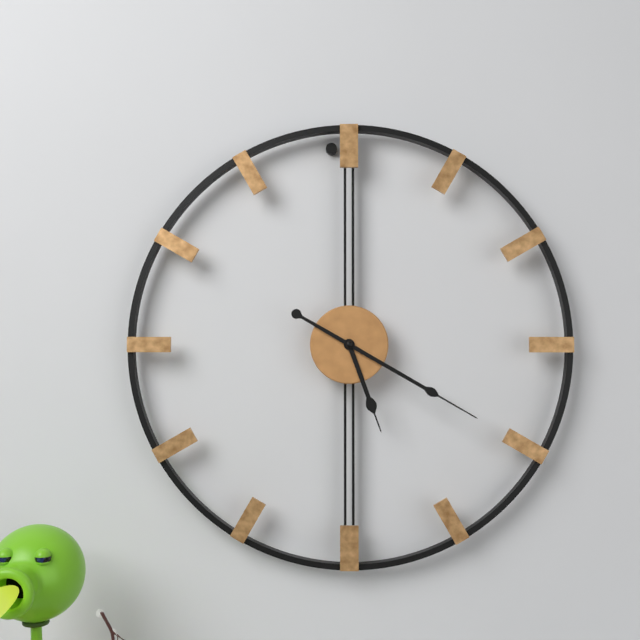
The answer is 5,20
